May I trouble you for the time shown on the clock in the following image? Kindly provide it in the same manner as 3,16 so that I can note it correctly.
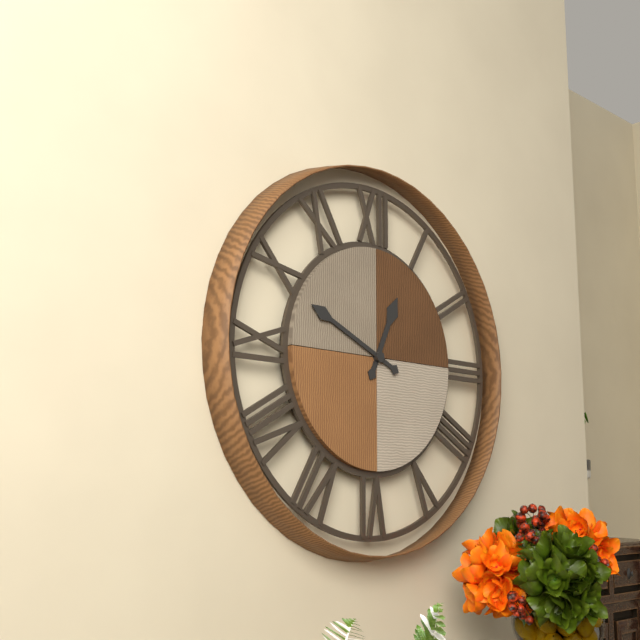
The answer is 12,49
